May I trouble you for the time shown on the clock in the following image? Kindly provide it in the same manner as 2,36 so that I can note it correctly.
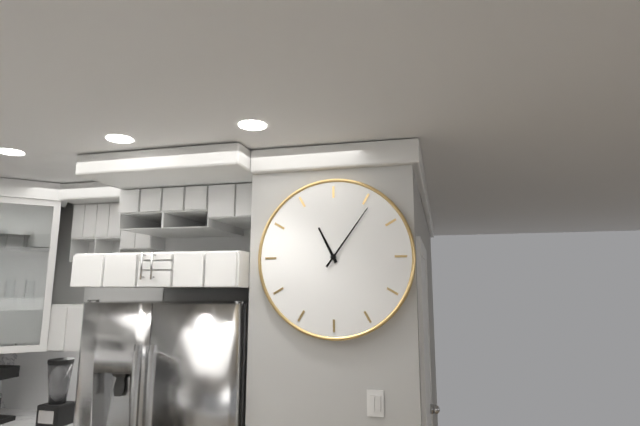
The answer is 11,06
